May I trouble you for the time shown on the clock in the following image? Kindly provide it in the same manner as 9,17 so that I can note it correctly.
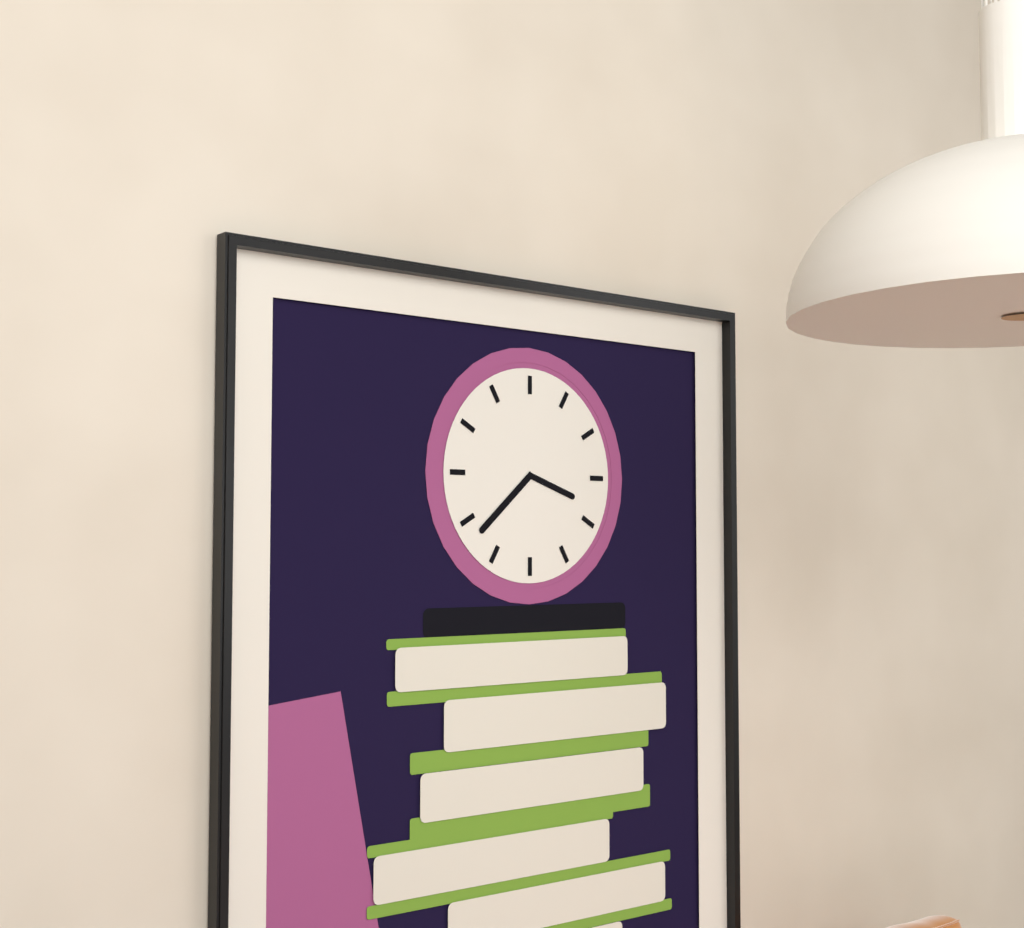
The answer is 3,38
